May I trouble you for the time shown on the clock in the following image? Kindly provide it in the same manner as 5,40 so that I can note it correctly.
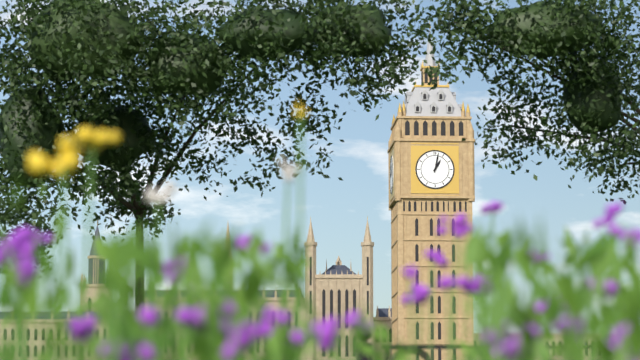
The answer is 1,02
